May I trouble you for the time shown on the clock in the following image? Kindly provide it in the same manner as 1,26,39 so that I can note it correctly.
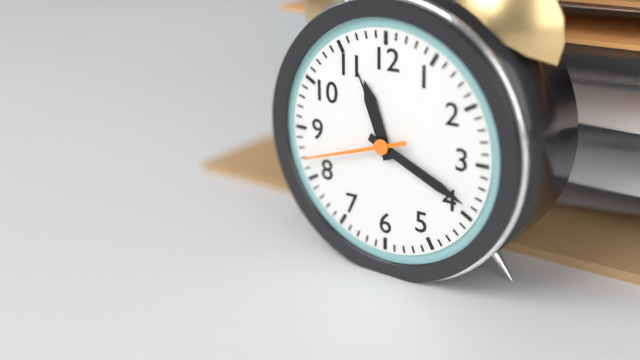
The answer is 11,19,42
